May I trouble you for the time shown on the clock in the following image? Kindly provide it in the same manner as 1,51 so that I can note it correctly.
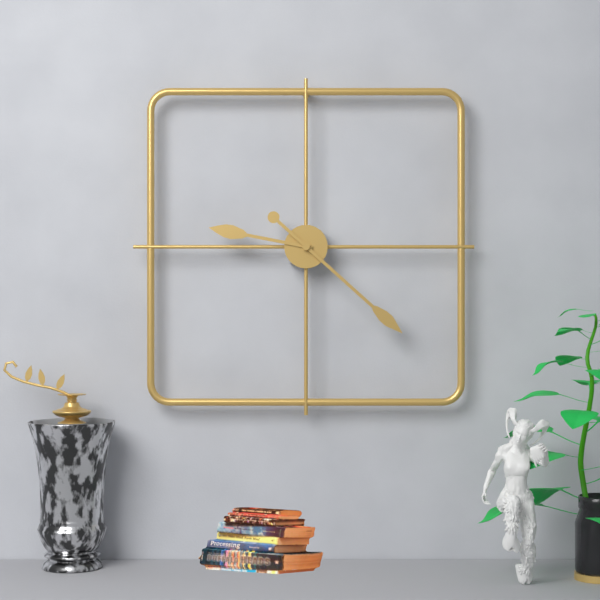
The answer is 9,22
